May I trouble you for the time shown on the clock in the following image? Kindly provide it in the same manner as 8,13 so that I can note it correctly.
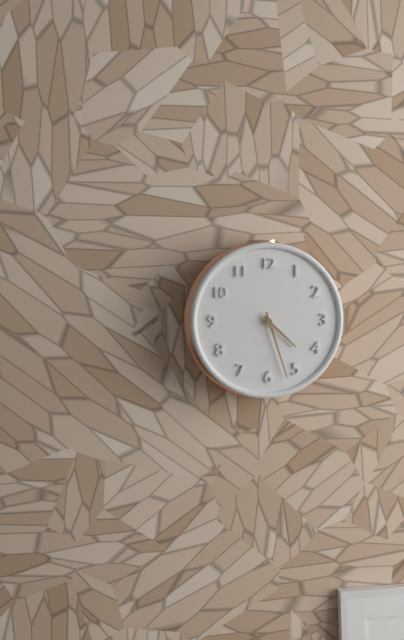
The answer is 4,27
